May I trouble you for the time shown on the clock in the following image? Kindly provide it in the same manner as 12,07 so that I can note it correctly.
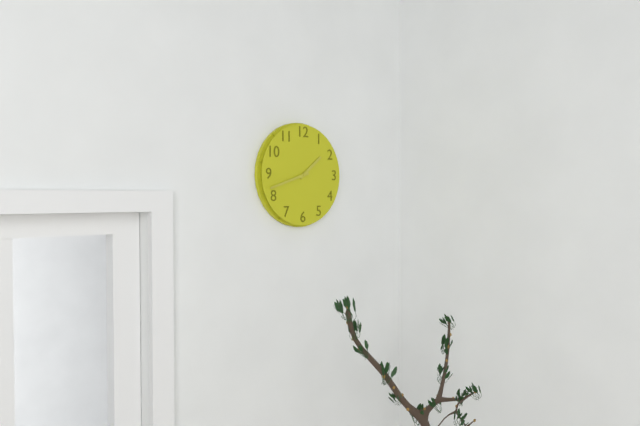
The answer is 1,42
